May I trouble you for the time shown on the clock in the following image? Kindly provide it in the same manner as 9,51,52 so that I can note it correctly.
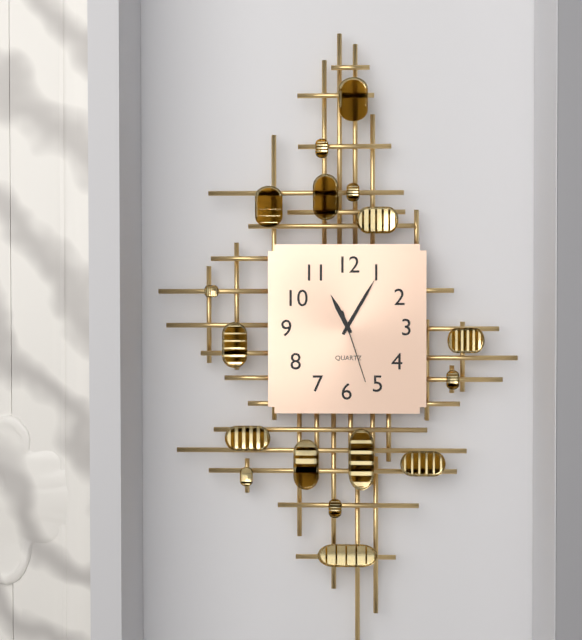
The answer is 11,05,27
